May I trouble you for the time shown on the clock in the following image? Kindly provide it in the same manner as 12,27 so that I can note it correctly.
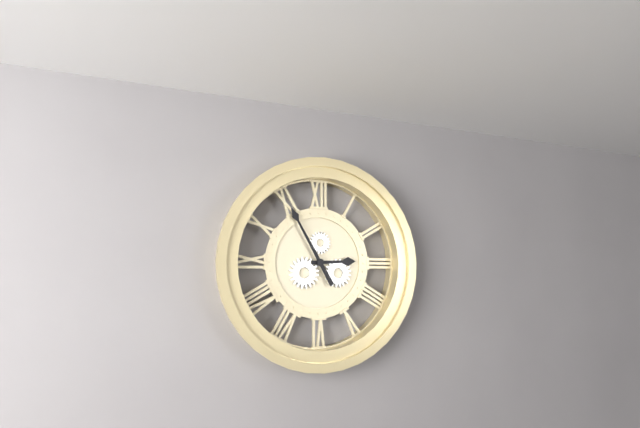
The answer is 2,55
